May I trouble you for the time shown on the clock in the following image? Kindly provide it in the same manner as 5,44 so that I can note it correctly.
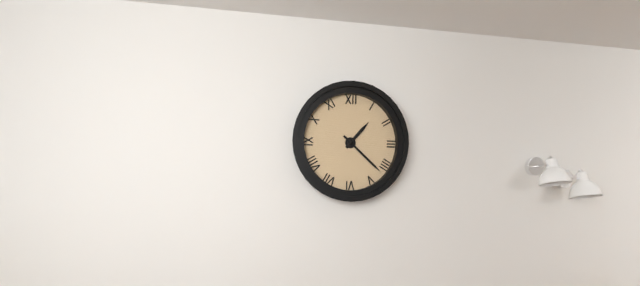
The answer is 1,22
